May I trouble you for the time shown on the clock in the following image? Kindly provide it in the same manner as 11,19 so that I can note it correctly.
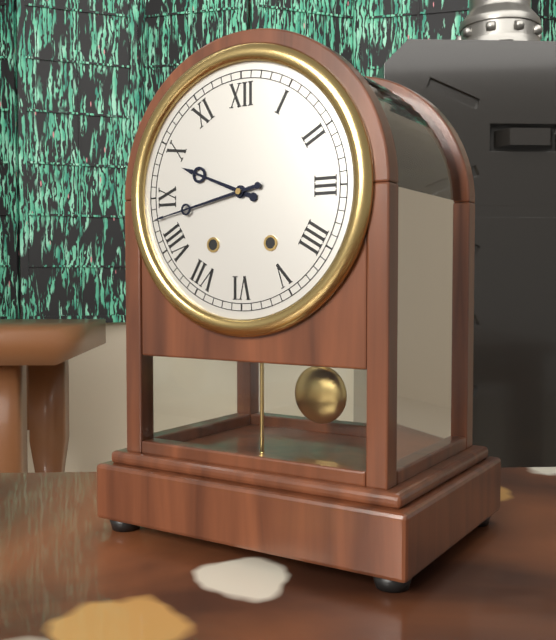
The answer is 9,43
